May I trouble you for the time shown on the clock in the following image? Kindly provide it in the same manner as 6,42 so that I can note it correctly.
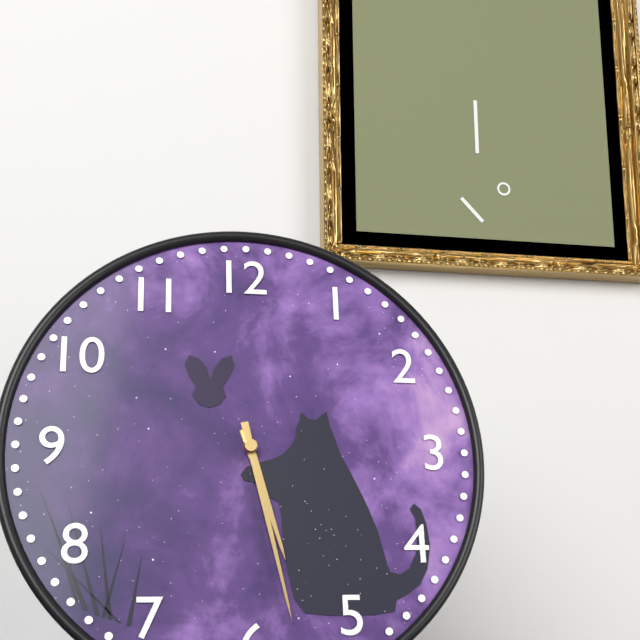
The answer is 5,28
